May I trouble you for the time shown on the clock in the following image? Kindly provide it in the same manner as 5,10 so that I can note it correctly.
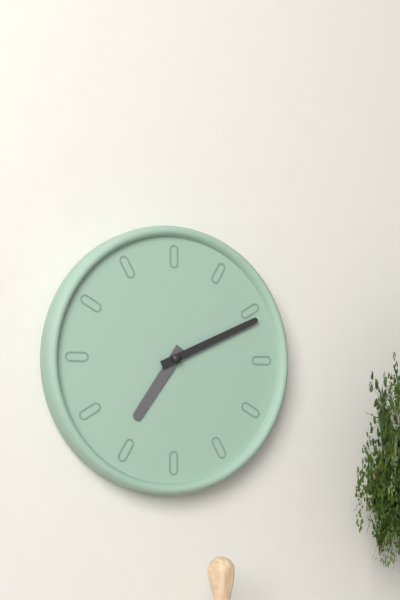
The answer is 7,11
